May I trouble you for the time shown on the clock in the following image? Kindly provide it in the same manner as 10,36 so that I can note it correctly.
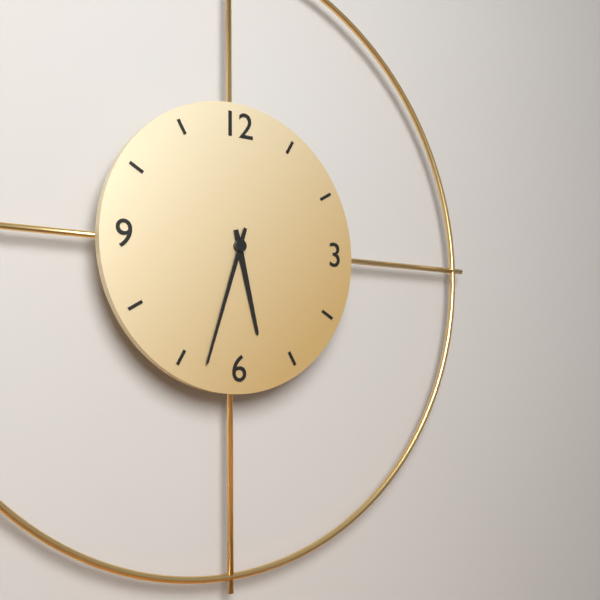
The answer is 5,33
